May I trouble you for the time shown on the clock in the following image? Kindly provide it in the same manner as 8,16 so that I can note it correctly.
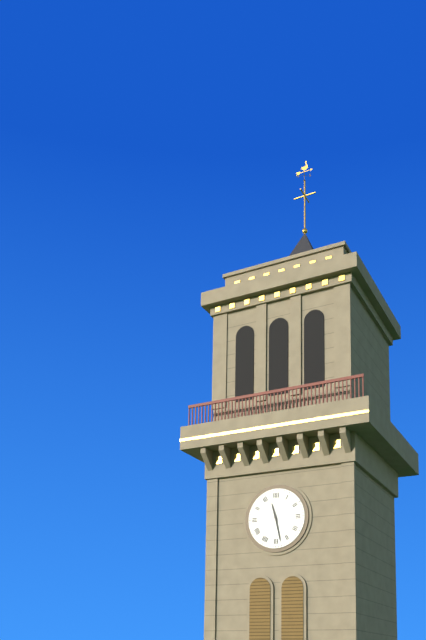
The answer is 11,28
